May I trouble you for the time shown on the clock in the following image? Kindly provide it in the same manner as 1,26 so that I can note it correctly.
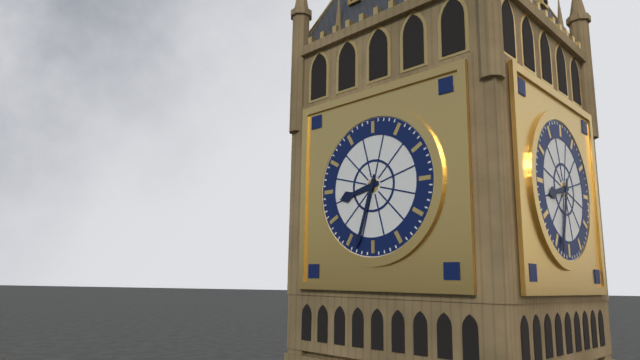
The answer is 8,33
